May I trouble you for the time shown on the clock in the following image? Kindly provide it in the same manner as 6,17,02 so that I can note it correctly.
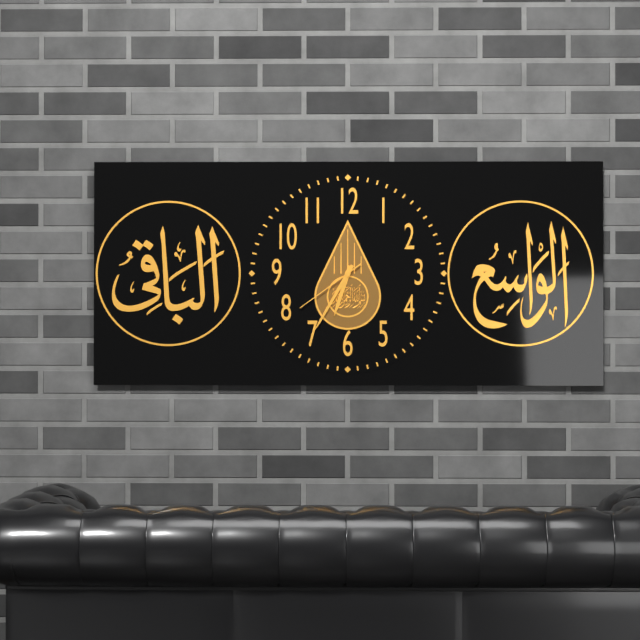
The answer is 6,35,39
